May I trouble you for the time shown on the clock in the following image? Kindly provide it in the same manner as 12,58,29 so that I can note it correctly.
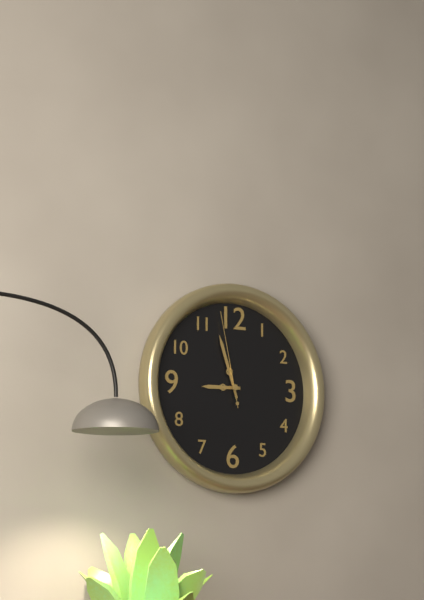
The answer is 8,57,58
